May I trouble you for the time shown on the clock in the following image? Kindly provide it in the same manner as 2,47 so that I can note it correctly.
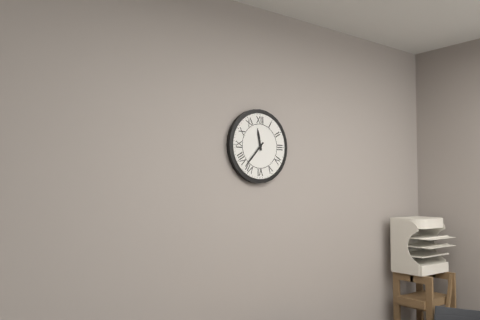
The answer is 11,37
